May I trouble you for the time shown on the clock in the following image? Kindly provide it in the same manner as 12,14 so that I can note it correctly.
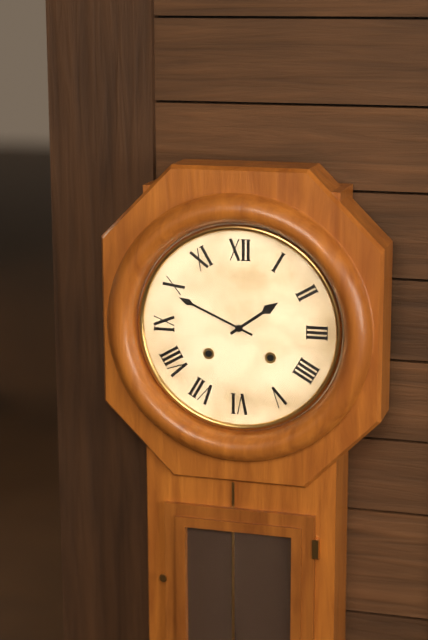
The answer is 1,49
